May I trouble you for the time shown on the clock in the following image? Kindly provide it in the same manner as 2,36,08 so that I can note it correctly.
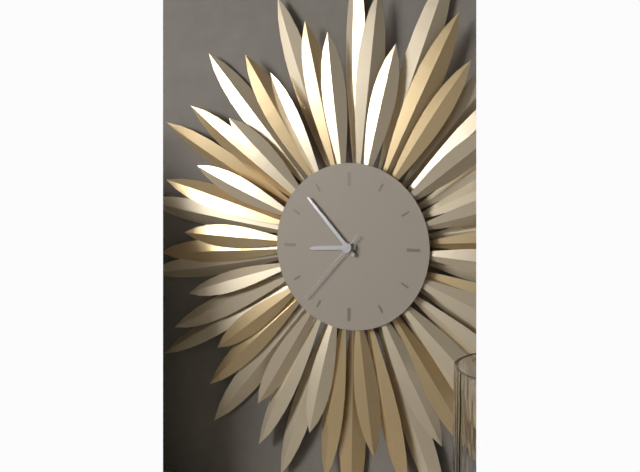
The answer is 8,53,37
